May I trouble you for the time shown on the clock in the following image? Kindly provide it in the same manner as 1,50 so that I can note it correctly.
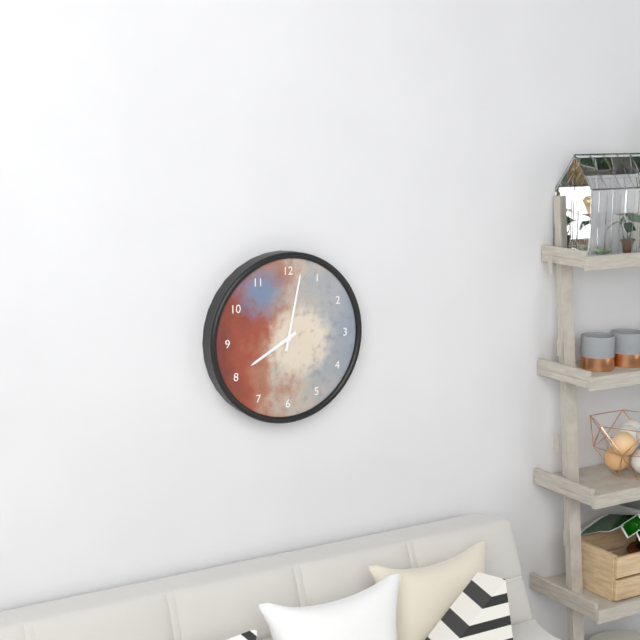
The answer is 8,02
